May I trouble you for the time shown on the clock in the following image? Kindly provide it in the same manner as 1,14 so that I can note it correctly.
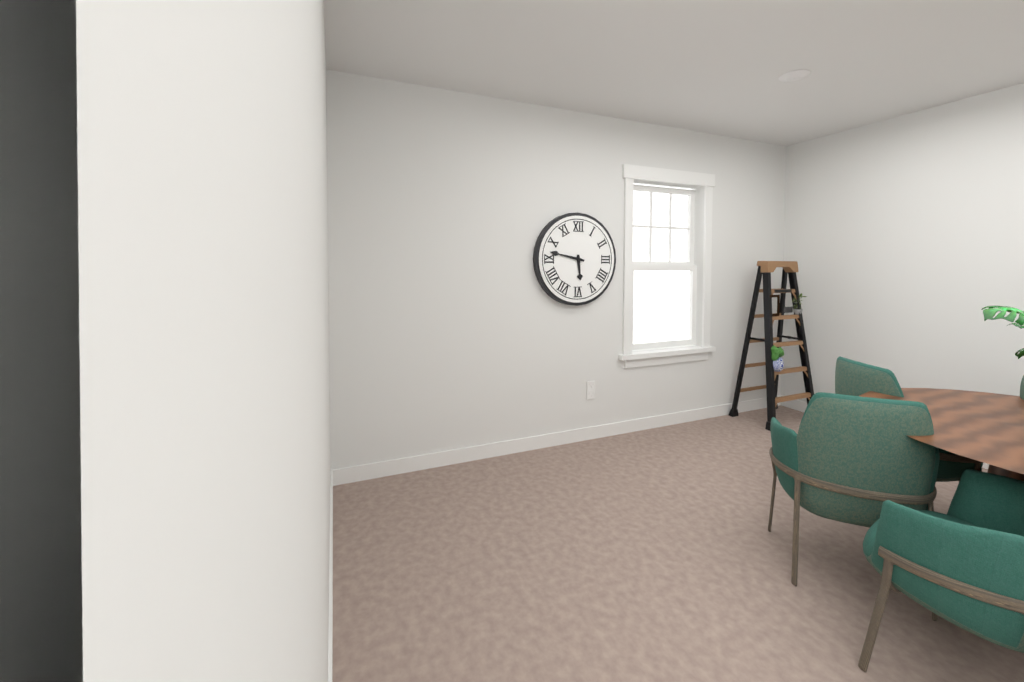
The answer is 5,47
